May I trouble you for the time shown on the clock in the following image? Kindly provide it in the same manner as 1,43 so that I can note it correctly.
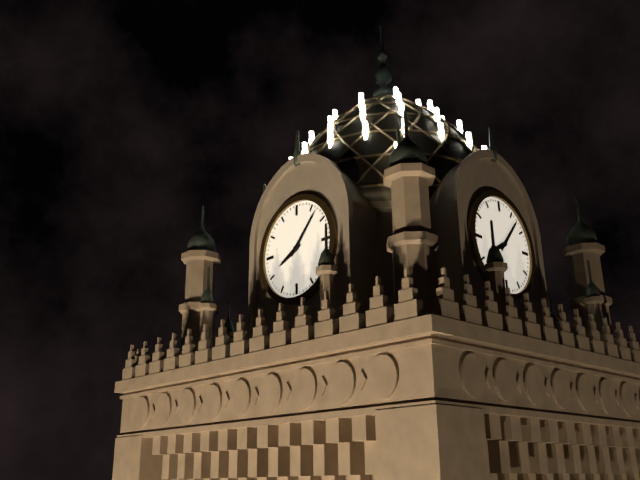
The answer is 8,07
